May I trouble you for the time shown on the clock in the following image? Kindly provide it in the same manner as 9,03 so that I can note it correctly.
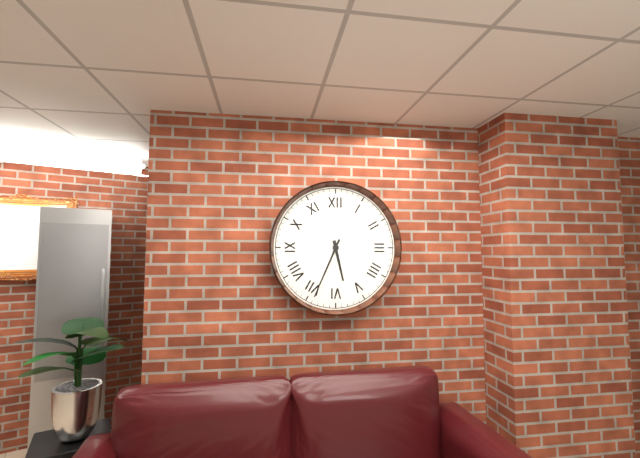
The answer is 5,34
